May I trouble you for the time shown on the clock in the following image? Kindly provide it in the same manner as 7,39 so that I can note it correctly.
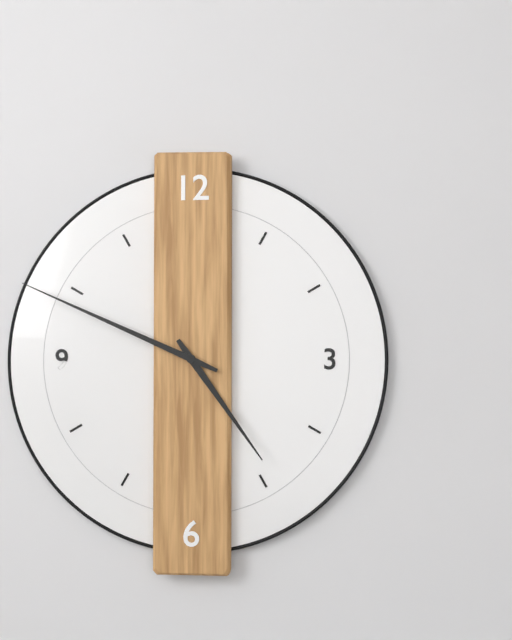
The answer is 4,49
